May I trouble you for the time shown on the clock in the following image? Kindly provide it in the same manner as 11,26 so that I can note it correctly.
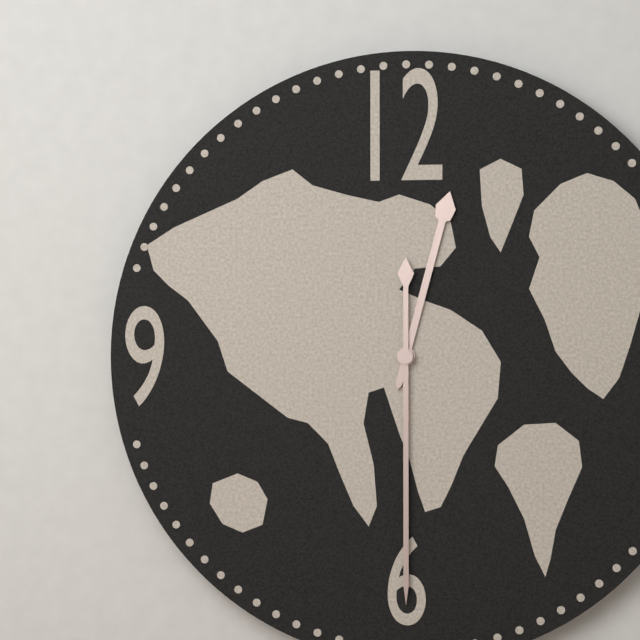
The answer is 12,30
